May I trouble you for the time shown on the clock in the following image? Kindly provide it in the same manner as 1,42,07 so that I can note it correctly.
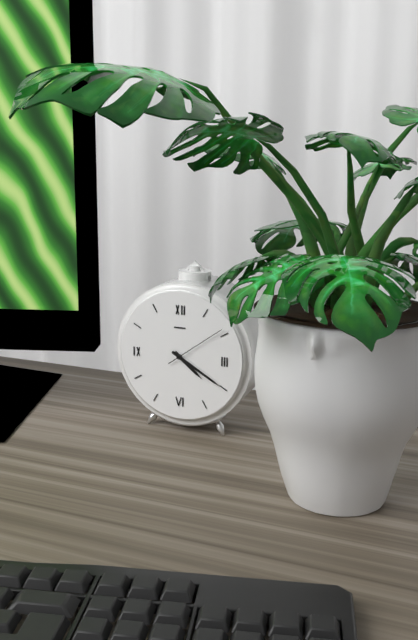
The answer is 4,20,09
